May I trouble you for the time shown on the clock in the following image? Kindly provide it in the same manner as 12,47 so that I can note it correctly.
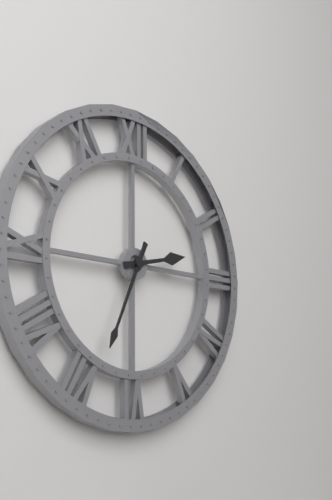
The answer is 2,34
